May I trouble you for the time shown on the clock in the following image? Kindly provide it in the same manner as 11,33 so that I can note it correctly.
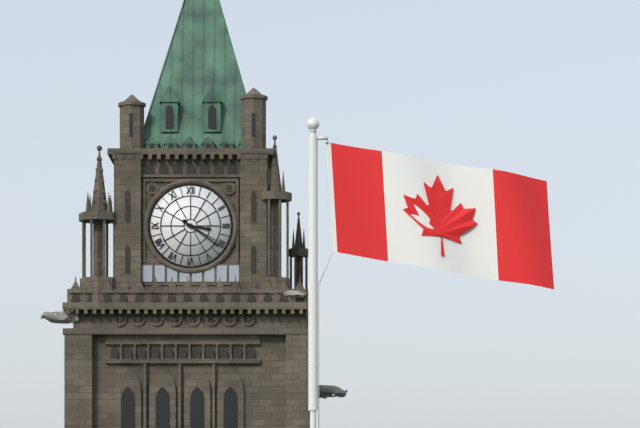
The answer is 3,21
